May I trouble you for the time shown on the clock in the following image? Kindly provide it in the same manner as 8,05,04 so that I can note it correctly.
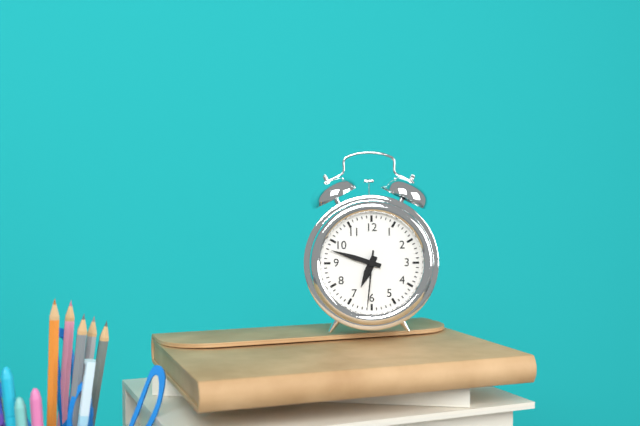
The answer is 6,48,31
